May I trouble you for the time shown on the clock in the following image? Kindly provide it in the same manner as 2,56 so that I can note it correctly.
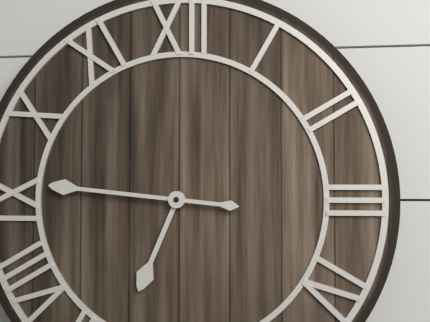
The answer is 6,46
